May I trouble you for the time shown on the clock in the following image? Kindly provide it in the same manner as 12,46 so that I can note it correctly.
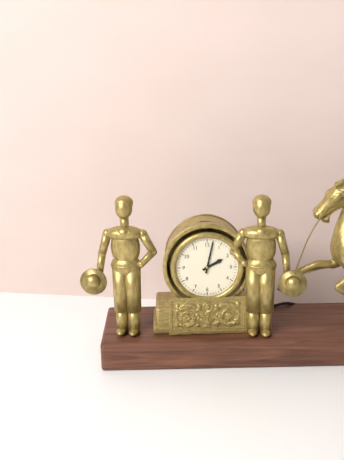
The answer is 2,02
